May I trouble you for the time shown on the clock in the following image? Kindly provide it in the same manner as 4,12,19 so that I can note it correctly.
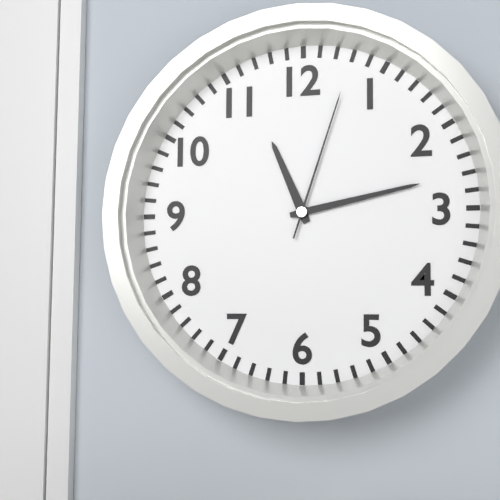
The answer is 11,13,03
